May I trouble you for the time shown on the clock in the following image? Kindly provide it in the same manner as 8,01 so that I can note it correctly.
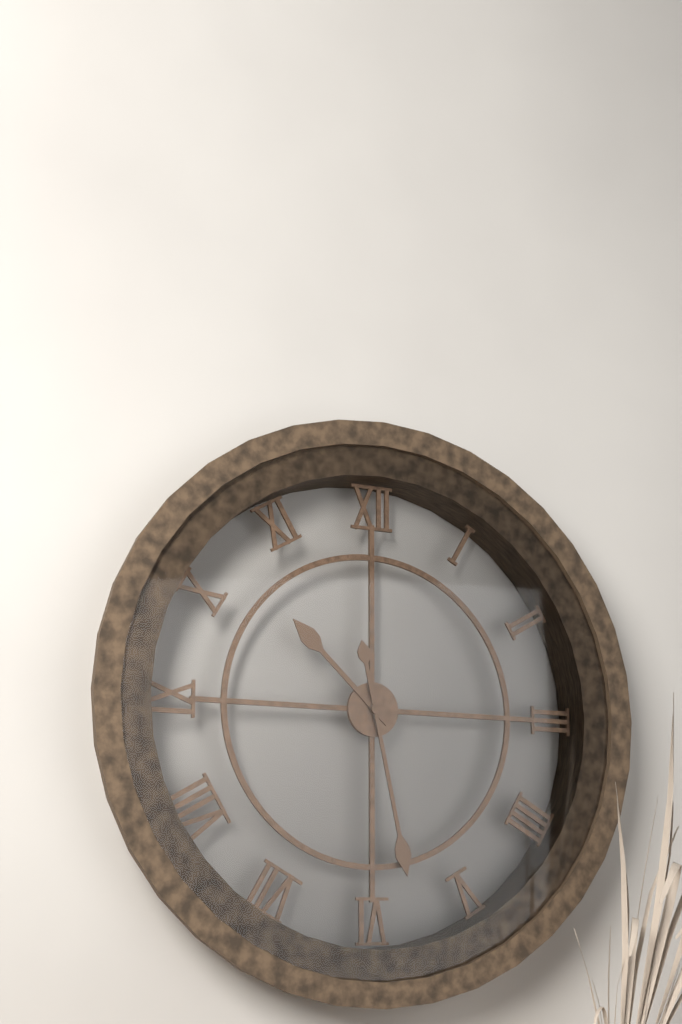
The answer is 10,28
